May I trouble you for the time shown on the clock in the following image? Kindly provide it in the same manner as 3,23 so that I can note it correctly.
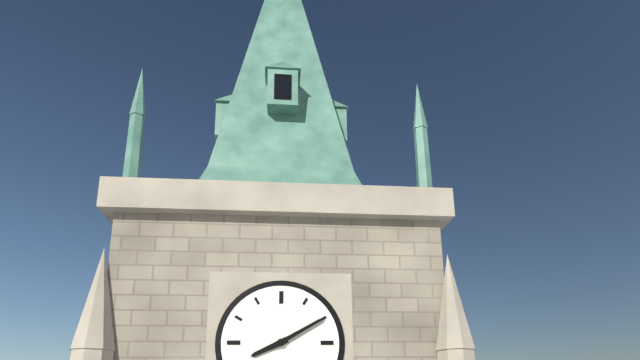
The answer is 8,10
